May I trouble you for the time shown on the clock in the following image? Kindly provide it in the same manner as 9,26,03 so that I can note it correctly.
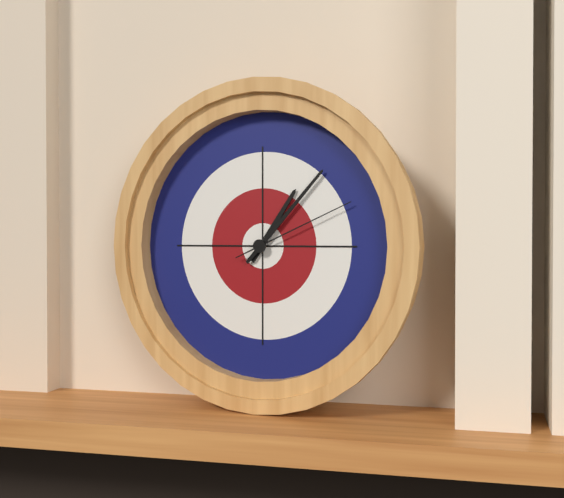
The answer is 1,07,11
